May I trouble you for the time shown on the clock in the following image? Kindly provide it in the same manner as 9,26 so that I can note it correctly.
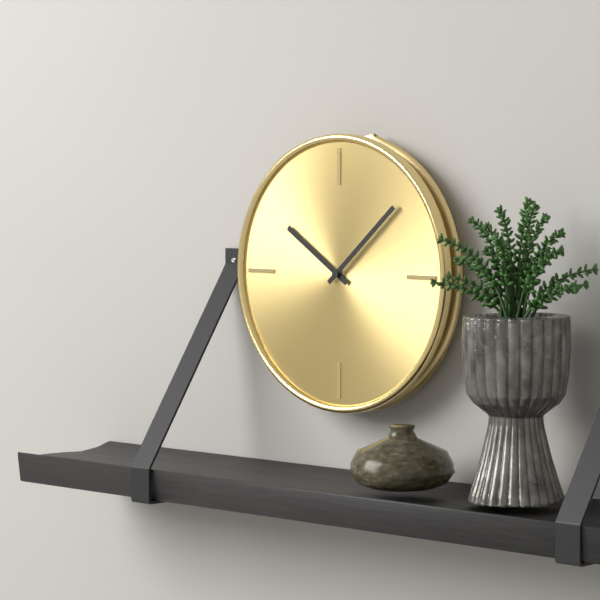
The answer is 10,08
